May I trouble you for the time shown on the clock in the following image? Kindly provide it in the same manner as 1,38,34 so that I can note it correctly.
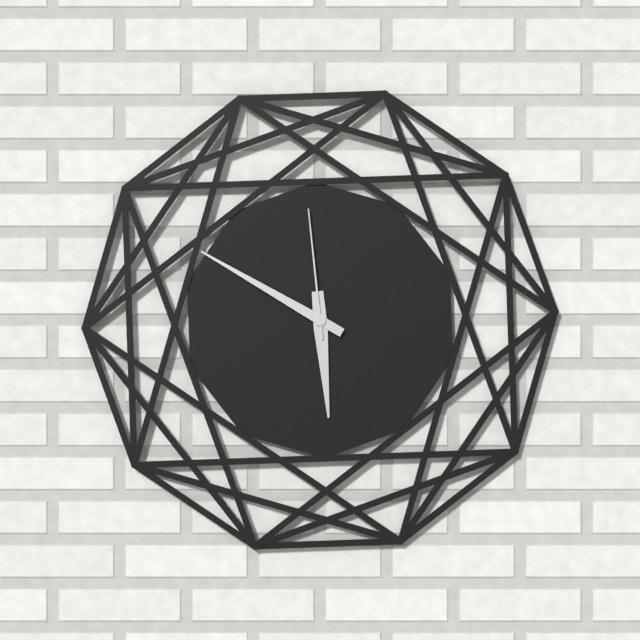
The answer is 5,50,59
